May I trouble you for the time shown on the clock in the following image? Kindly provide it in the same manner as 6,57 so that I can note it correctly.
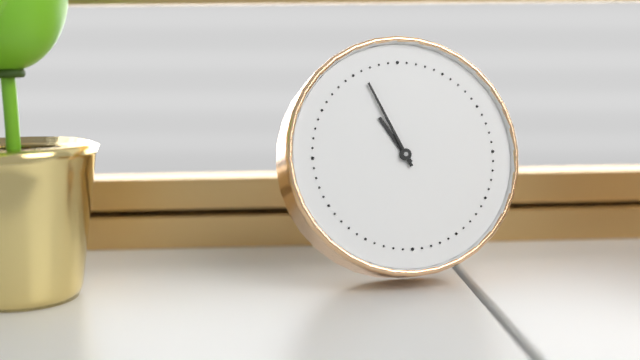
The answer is 10,56
